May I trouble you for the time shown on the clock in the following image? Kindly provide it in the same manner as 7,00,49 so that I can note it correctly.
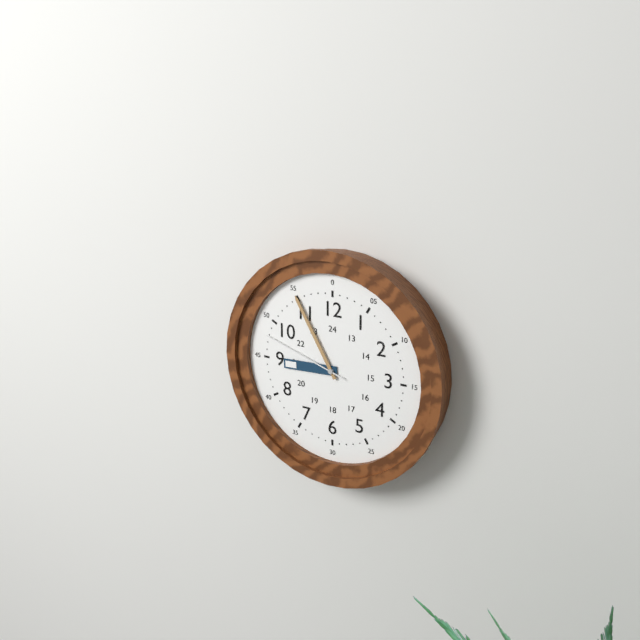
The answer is 8,55,48
